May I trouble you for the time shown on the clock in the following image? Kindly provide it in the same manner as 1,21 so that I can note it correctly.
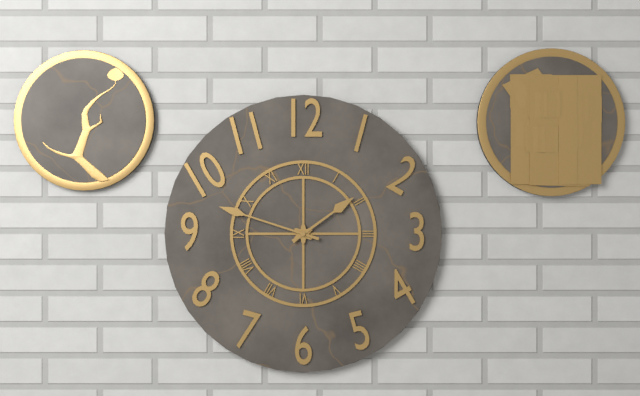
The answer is 1,48
